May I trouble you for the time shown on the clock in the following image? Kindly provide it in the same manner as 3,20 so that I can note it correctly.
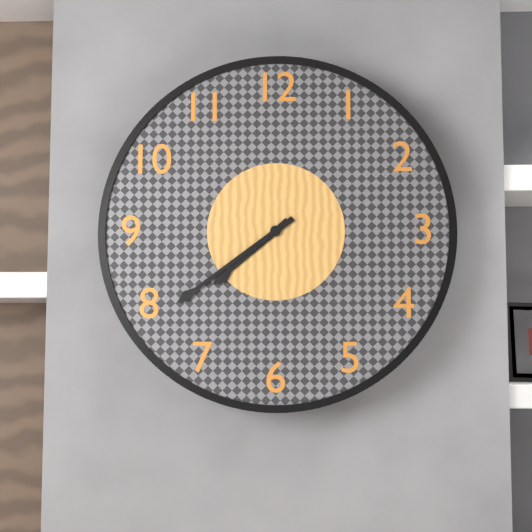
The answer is 7,39
